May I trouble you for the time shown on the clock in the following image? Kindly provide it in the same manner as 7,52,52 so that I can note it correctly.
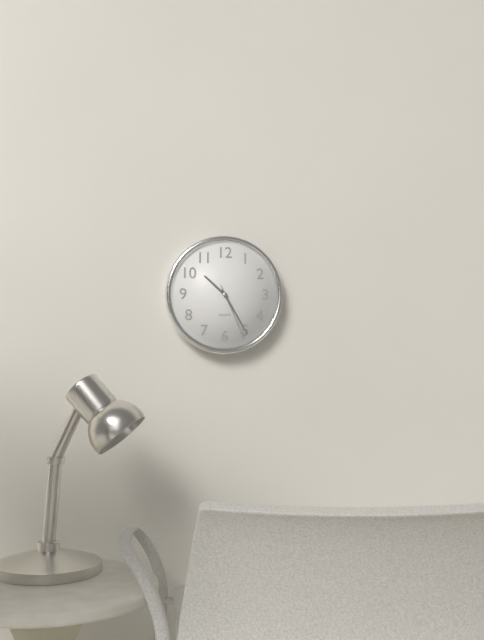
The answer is 10,25,26
